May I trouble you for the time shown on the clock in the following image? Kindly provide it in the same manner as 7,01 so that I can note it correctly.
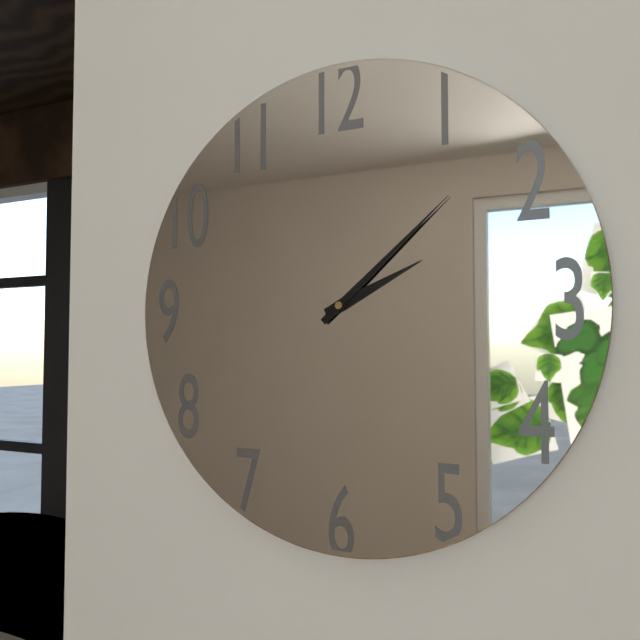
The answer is 2,08
